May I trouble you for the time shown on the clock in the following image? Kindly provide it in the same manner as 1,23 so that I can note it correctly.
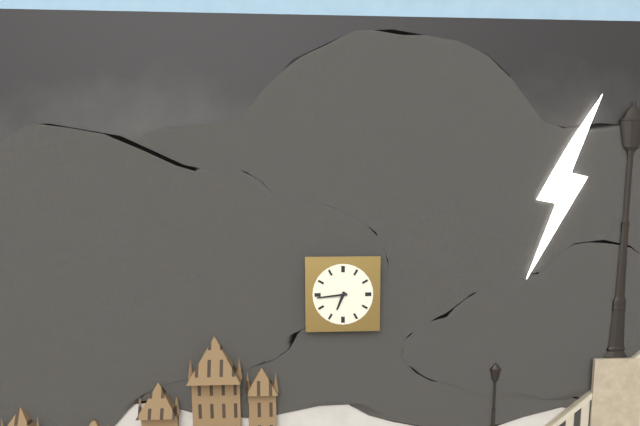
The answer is 6,44
